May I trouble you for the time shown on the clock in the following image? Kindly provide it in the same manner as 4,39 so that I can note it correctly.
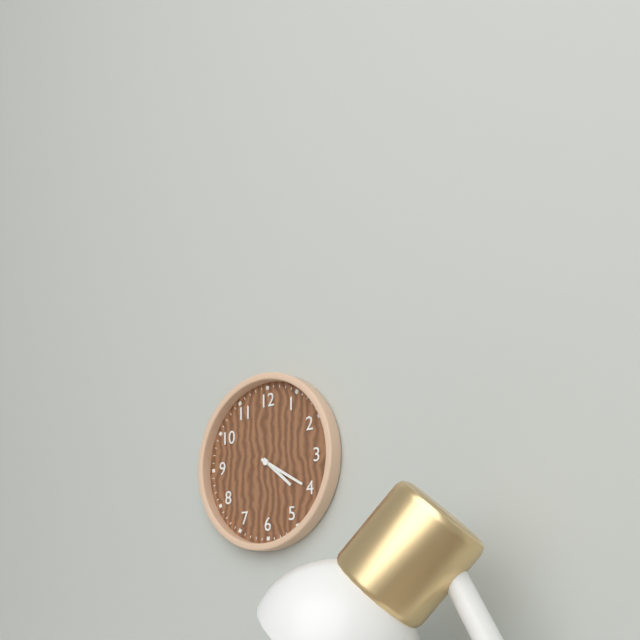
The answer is 4,20
